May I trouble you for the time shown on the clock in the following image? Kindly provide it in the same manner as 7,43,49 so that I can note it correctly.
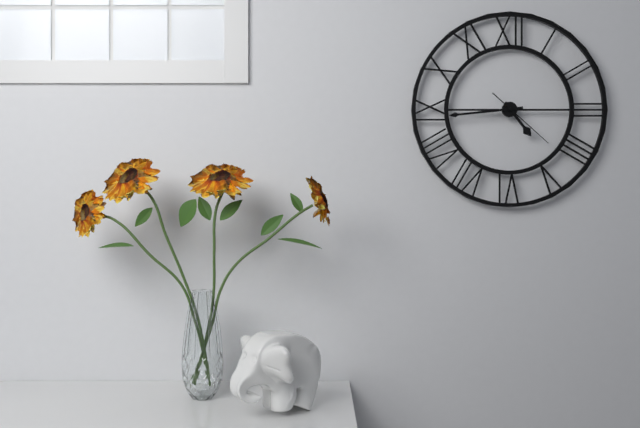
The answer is 4,44,22
